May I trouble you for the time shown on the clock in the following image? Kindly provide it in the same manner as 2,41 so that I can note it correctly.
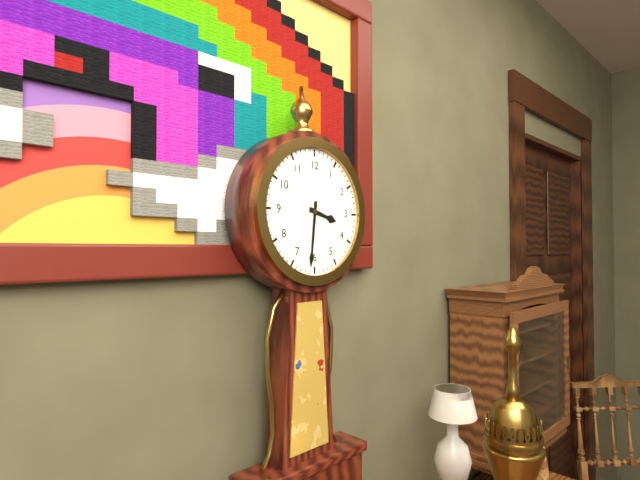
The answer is 3,31
